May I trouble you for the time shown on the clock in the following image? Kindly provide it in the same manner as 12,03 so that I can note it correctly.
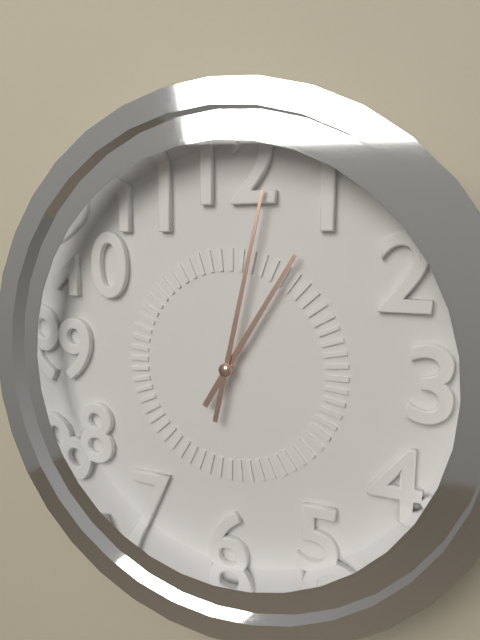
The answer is 1,02
